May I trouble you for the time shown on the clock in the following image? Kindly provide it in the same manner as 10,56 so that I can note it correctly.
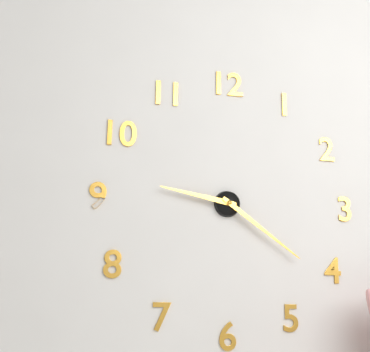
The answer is 9,21
